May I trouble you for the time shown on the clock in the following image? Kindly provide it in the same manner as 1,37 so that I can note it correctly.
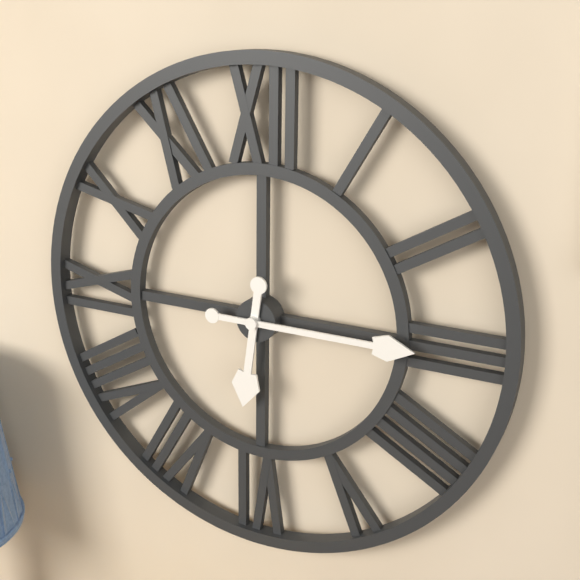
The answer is 6,15
